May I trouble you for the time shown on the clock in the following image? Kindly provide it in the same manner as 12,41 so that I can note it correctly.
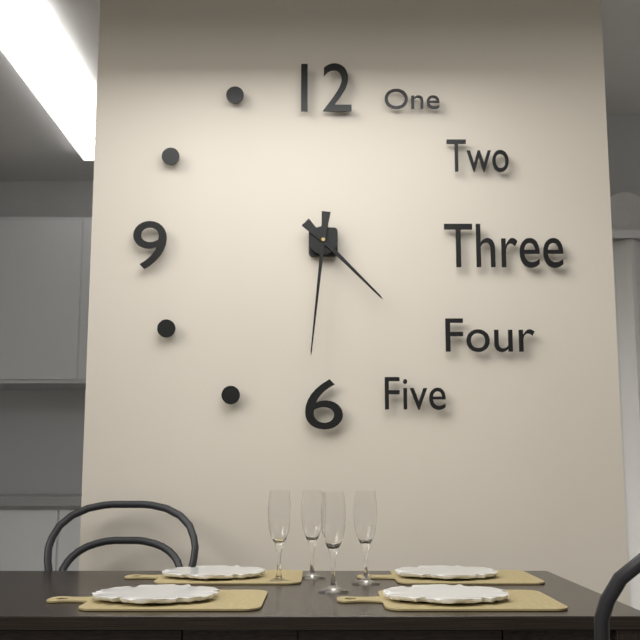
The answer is 4,31
